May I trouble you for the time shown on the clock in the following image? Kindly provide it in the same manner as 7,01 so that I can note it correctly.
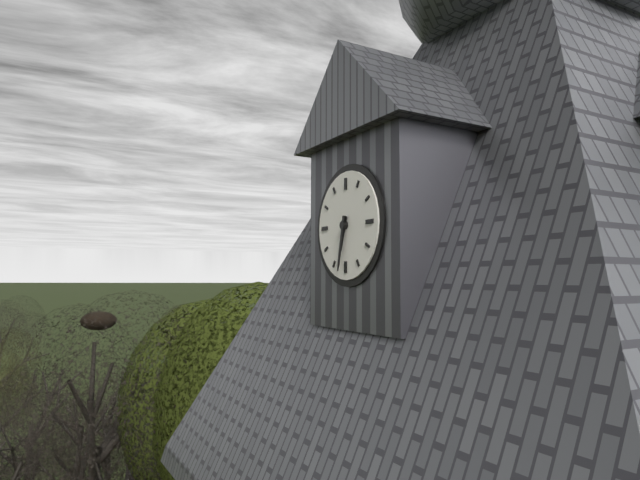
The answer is 6,32
